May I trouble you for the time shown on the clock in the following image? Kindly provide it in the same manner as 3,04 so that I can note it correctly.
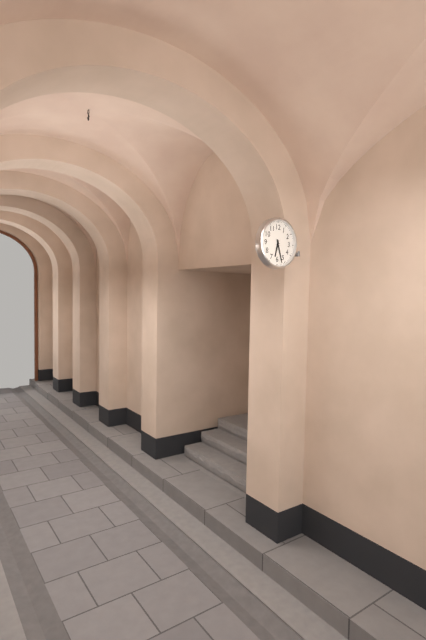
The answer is 6,27
